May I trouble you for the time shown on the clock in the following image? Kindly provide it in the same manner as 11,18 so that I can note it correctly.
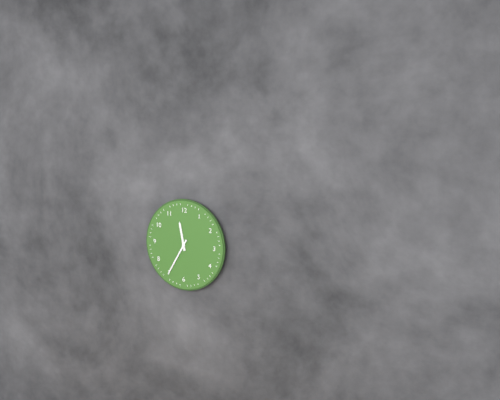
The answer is 11,35
